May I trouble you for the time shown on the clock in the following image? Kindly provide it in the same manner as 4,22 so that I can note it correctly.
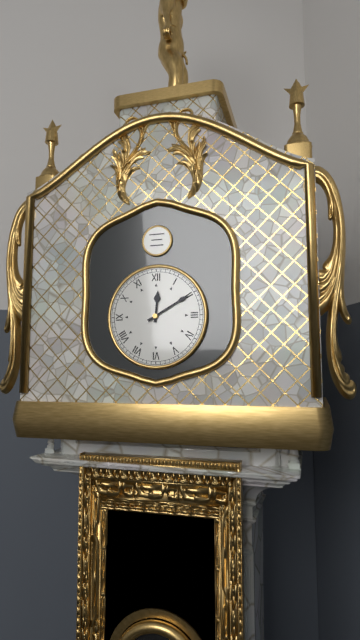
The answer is 12,10
